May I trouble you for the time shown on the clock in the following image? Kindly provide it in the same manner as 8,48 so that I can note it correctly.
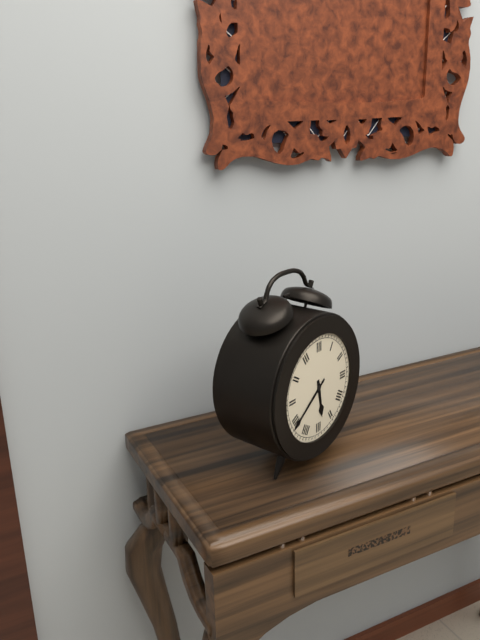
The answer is 5,39
